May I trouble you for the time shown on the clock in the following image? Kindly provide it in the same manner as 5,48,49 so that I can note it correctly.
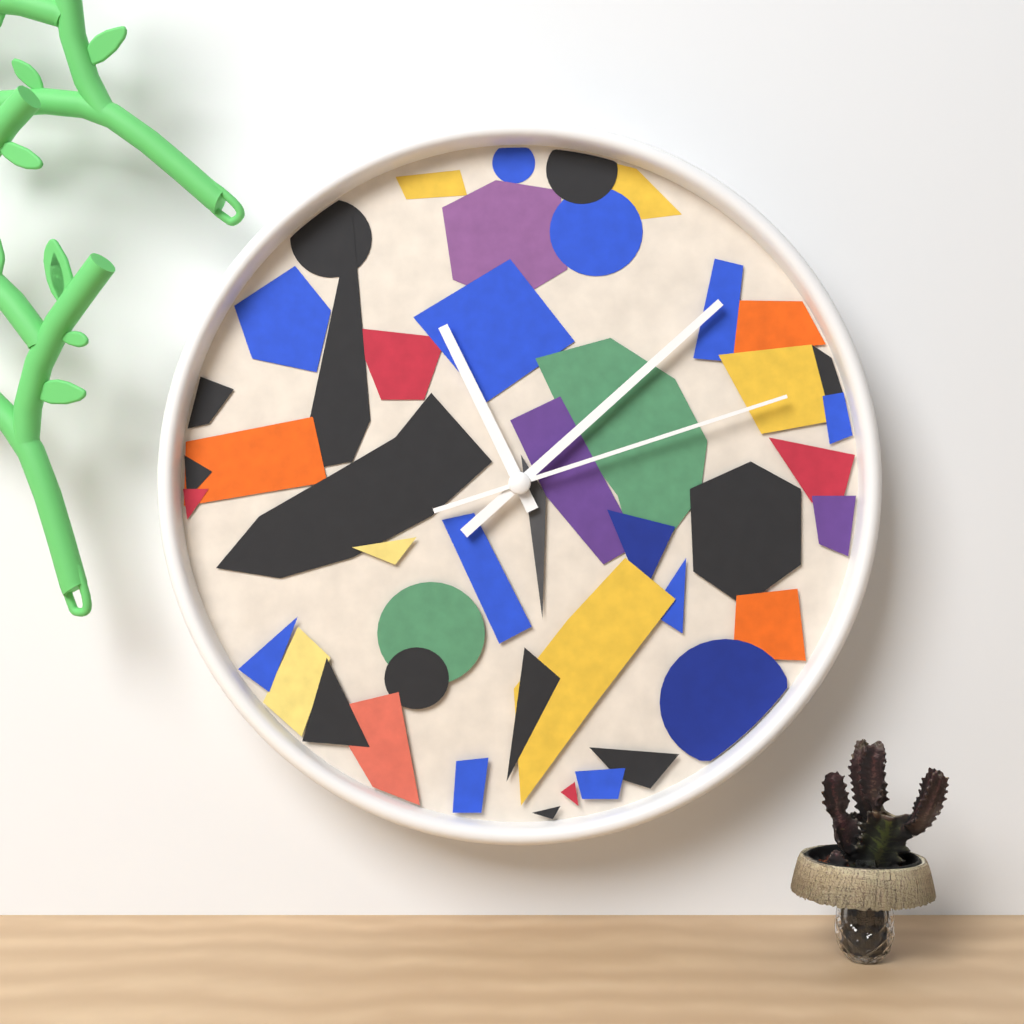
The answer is 11,08,12
